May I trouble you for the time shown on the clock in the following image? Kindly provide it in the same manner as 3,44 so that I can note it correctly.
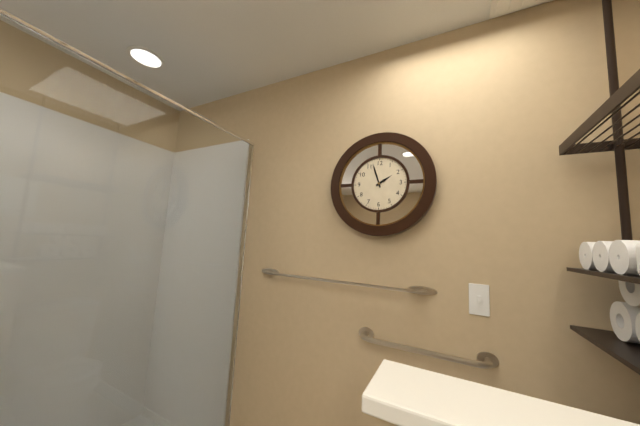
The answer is 1,57
